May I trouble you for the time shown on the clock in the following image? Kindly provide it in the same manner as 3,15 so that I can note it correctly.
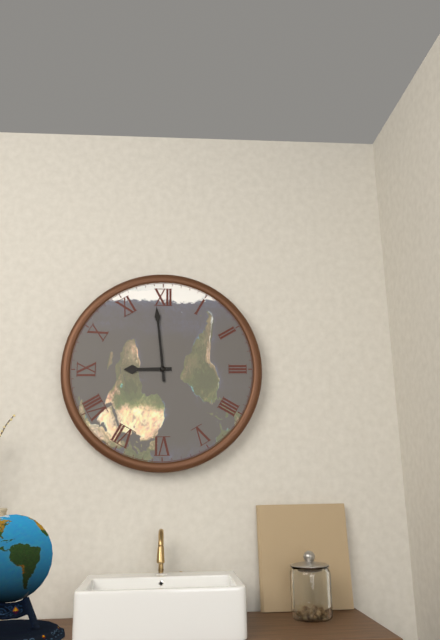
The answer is 8,59
